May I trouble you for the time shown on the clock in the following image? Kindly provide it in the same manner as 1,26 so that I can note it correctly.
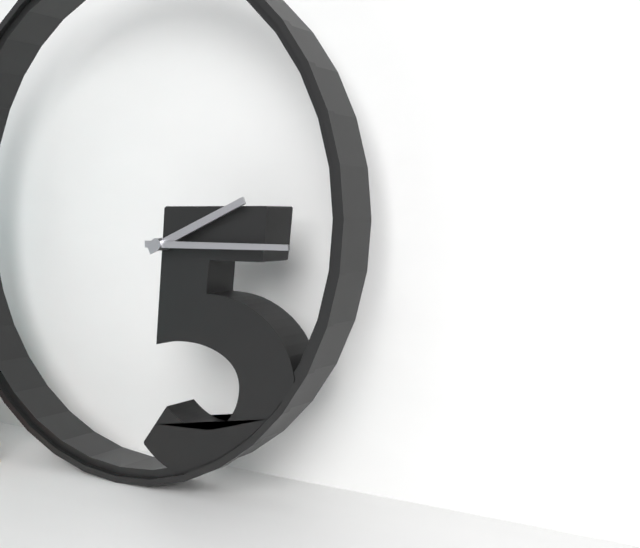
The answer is 2,15
